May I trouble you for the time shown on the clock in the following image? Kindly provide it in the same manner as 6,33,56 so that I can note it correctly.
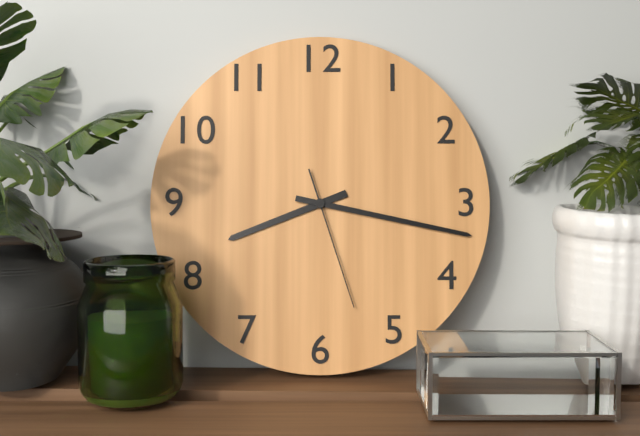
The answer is 8,17,27
